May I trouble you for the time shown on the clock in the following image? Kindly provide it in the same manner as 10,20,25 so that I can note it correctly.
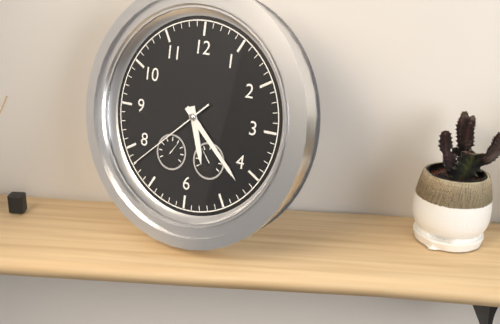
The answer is 5,22,38
